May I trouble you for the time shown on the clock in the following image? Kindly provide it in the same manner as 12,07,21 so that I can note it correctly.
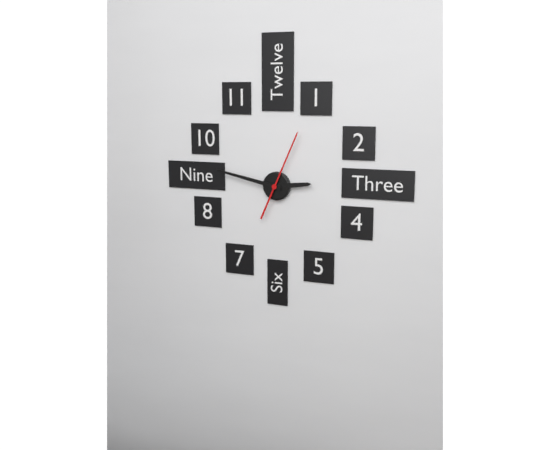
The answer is 2,47,04
